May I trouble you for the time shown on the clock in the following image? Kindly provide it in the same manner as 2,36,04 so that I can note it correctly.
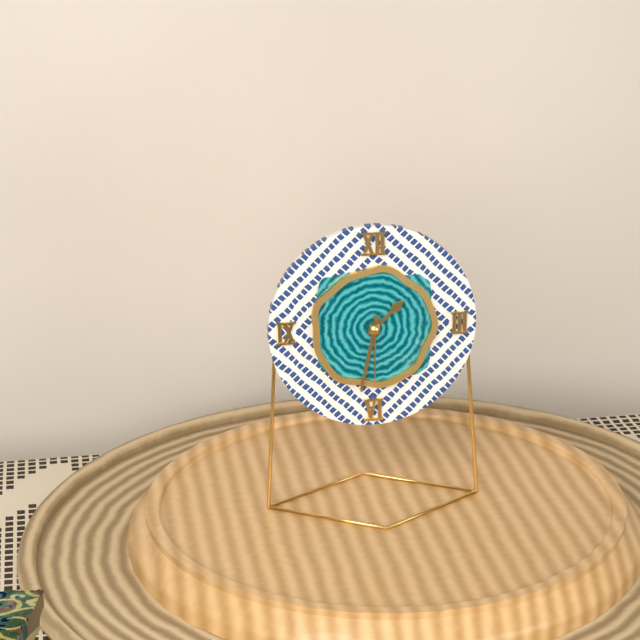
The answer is 1,32,30
